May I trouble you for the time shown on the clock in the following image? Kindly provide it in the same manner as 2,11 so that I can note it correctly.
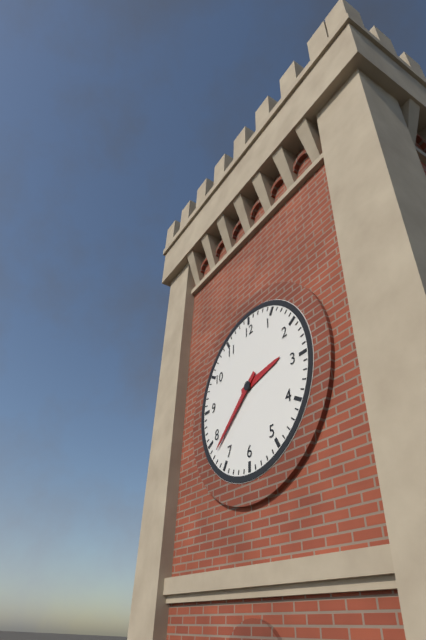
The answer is 2,38
